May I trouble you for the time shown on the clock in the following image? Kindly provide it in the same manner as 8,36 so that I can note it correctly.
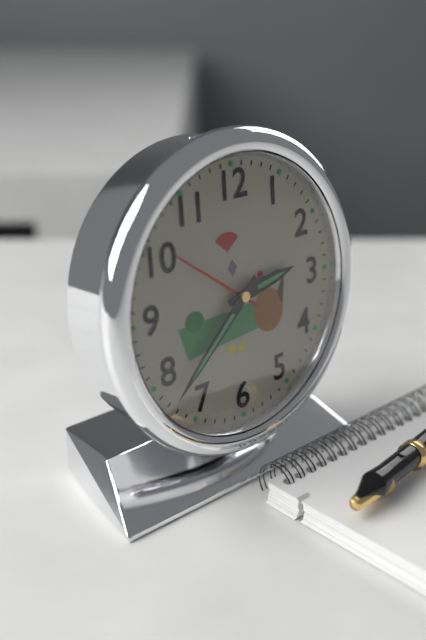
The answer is 2,38
